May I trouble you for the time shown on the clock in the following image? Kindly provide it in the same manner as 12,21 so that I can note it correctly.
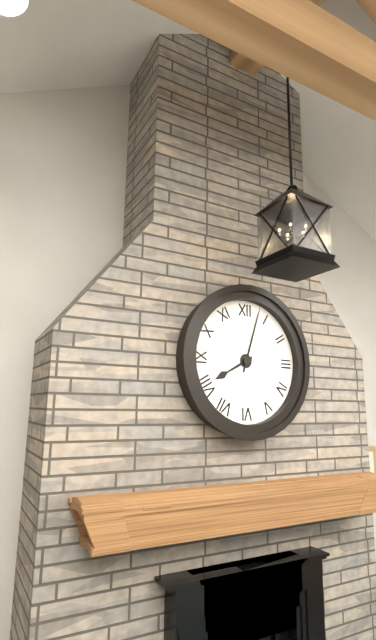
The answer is 8,03
